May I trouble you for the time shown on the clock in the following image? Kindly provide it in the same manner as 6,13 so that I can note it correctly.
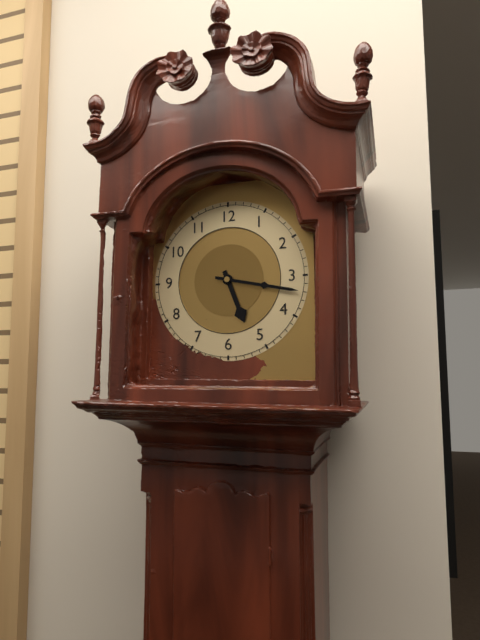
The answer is 5,17
